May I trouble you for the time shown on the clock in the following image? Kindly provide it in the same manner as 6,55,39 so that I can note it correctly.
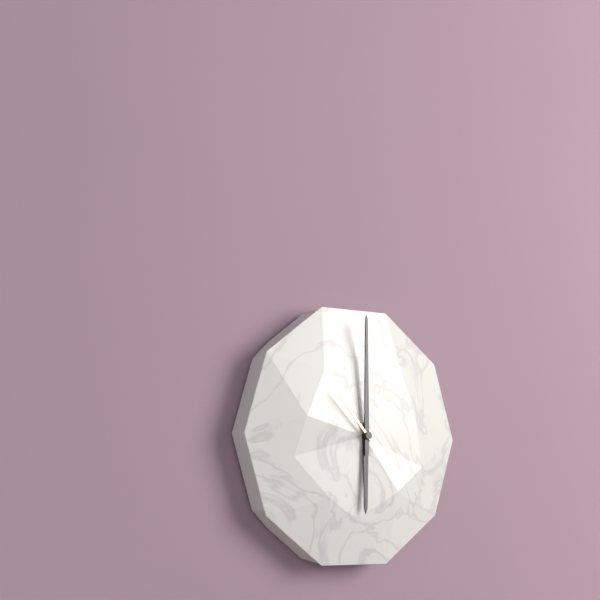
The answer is 6,00,53
